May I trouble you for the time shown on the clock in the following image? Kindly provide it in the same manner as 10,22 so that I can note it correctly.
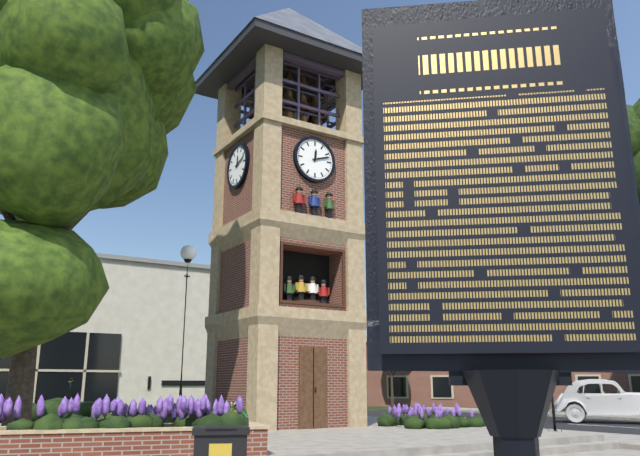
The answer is 12,12
